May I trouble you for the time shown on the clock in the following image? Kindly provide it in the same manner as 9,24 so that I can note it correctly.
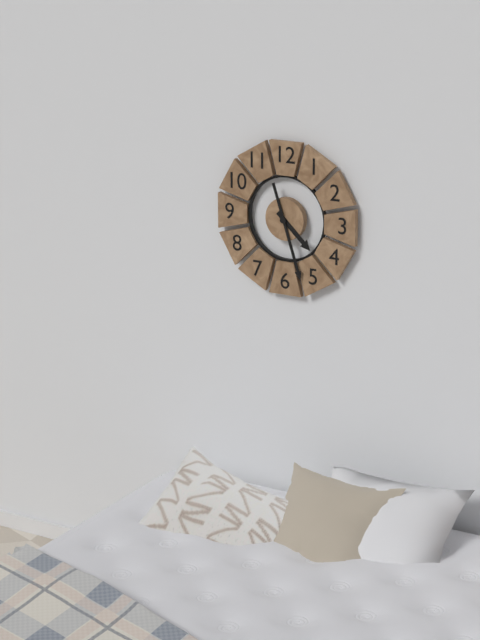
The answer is 4,27
